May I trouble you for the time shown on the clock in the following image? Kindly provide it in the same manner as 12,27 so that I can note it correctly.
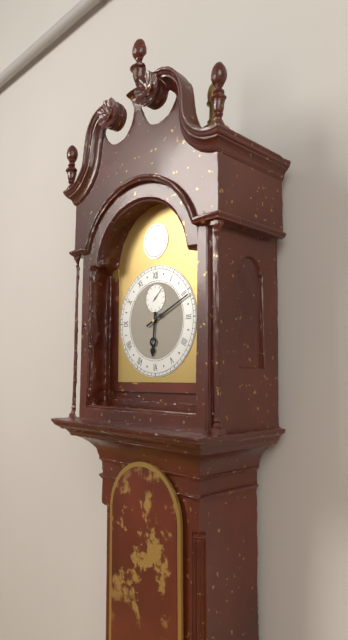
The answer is 6,11
